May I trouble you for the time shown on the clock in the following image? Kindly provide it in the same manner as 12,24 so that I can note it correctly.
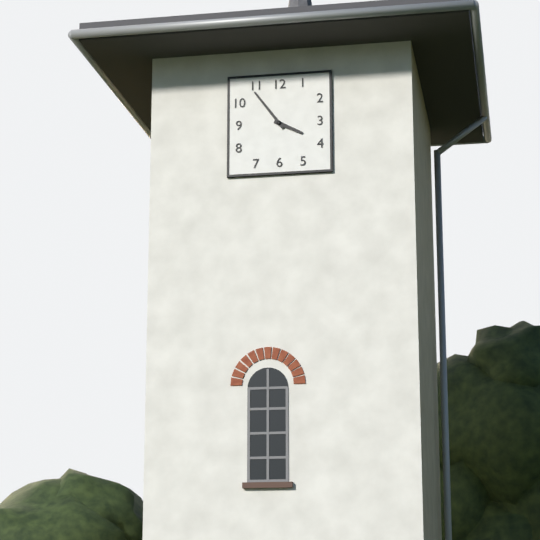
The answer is 3,54
